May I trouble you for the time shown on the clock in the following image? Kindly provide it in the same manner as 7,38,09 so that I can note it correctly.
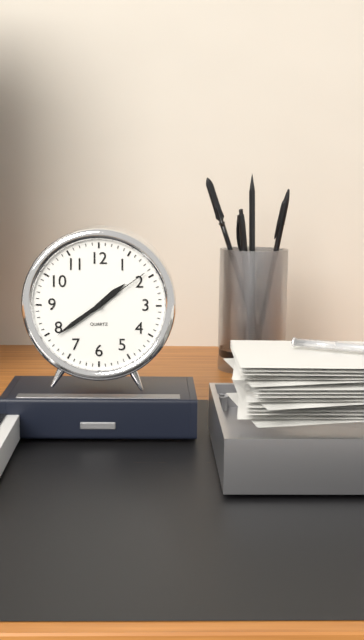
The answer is 1,39,09
